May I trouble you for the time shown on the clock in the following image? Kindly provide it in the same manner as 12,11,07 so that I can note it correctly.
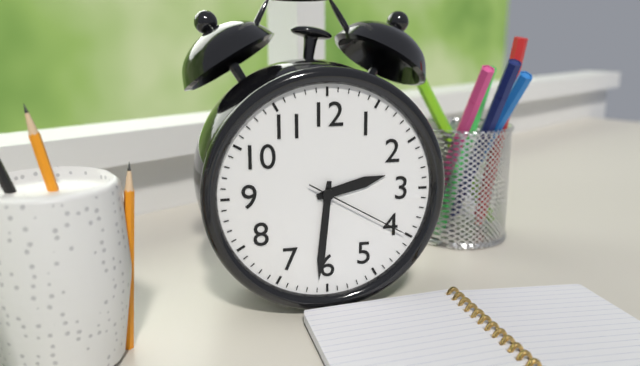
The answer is 2,31,20
